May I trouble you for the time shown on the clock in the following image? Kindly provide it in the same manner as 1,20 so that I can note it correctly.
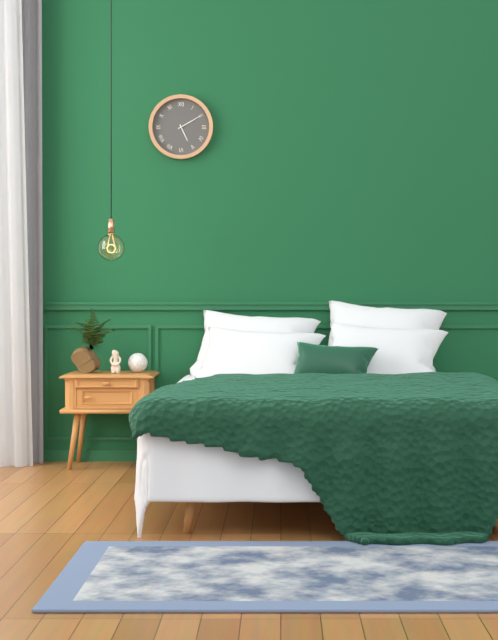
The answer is 5,10
